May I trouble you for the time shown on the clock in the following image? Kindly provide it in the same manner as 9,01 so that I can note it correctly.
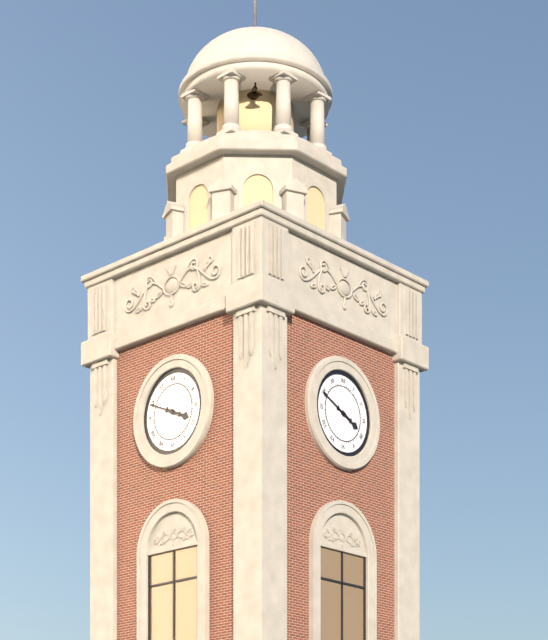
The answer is 3,49
